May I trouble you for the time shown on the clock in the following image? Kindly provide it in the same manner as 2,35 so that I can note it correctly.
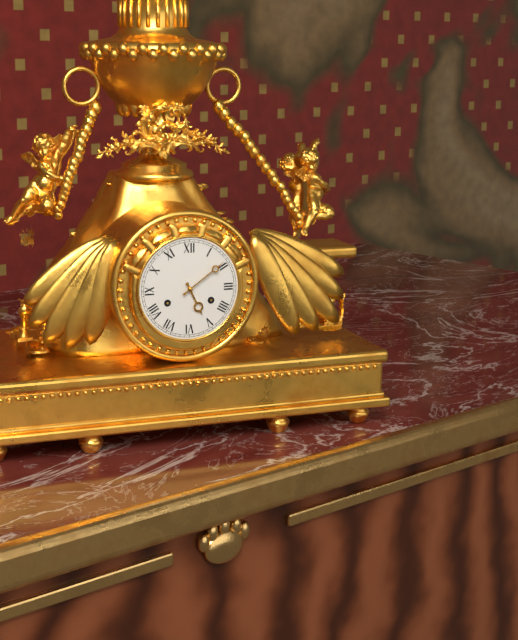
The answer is 5,09
